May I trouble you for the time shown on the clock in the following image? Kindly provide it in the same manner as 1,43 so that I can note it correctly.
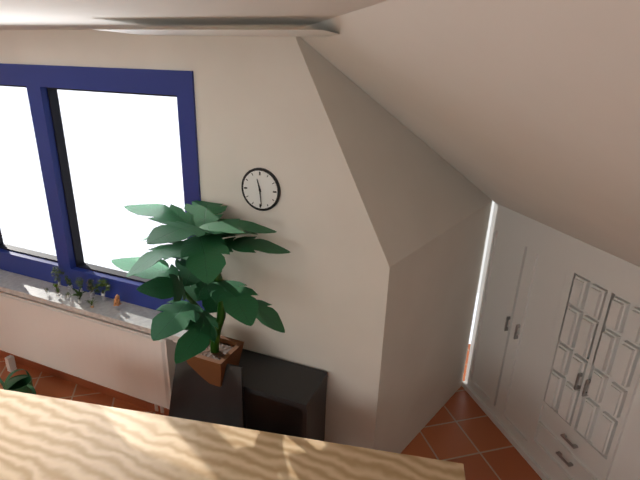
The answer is 11,29
